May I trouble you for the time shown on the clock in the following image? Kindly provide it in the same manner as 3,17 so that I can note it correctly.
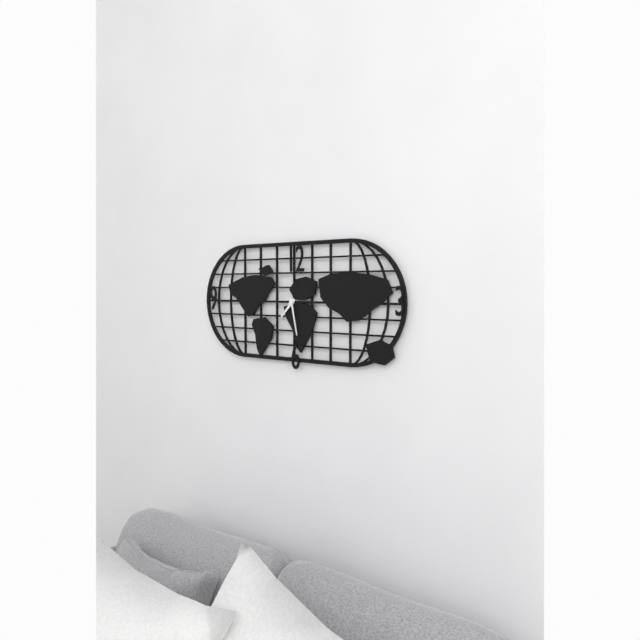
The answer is 7,28
